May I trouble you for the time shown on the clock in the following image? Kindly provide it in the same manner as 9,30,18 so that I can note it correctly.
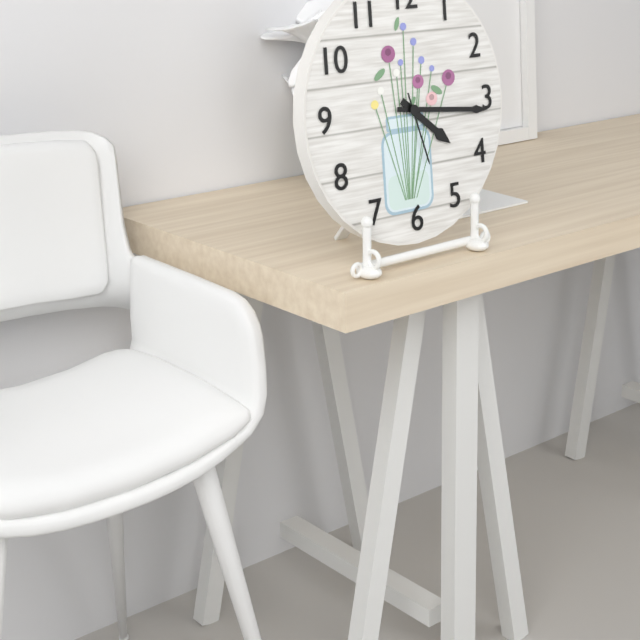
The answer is 4,16,27
